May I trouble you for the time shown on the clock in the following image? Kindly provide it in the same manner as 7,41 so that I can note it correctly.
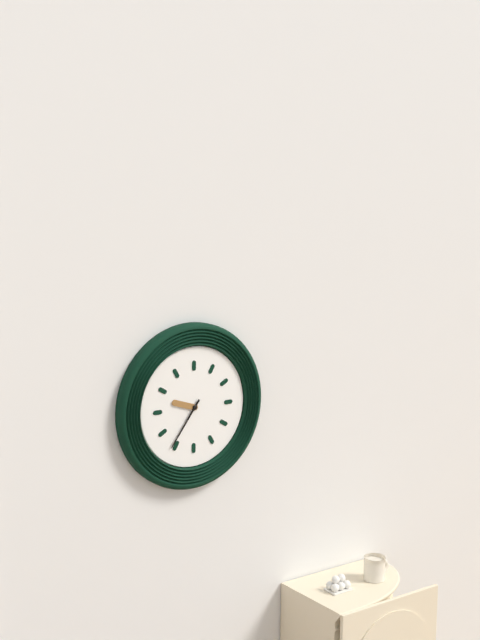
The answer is 9,36
